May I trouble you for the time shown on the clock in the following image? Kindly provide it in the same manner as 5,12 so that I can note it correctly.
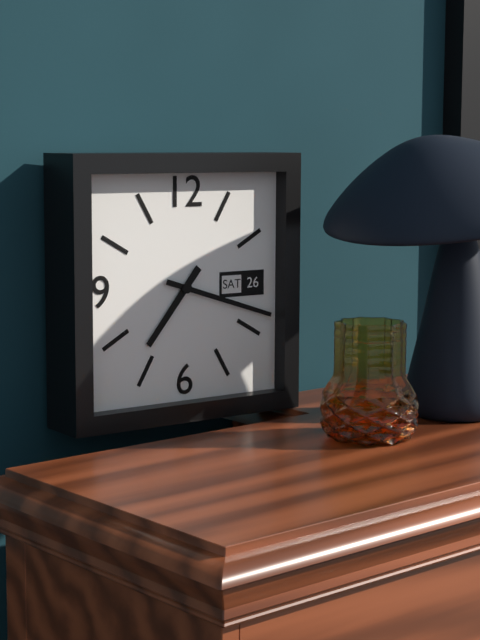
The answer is 7,18
